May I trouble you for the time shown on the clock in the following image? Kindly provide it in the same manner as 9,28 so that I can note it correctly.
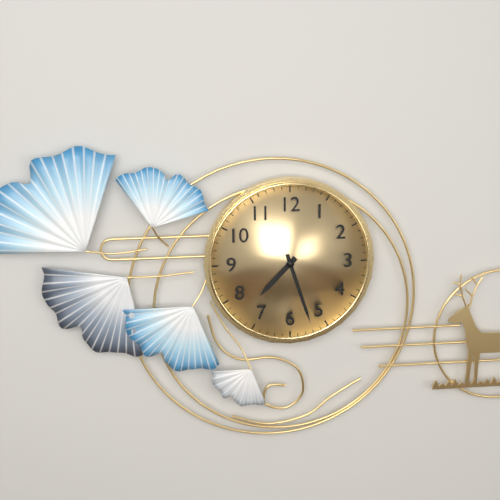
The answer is 7,27
